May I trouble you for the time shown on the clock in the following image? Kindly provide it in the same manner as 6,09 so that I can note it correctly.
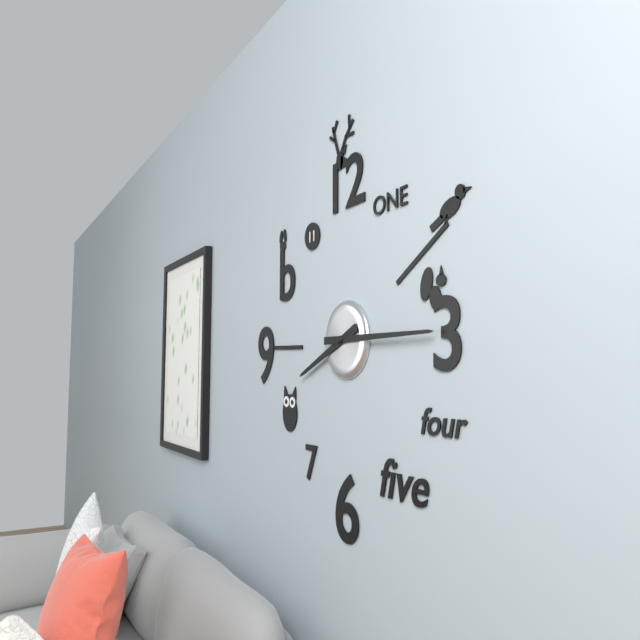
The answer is 8,15
